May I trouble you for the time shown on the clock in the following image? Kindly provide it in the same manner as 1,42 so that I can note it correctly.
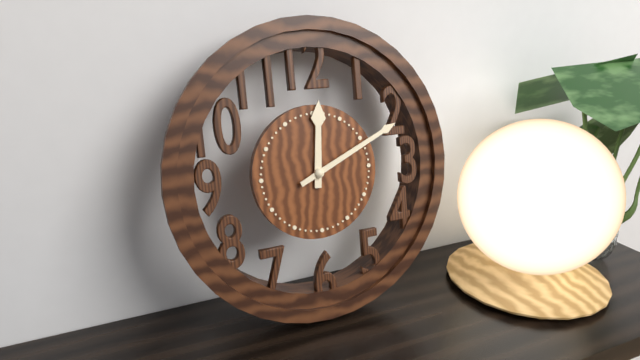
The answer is 12,11
